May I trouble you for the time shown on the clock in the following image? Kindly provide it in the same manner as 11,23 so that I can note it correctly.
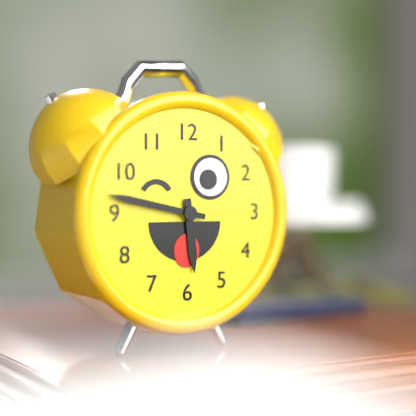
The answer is 5,47
